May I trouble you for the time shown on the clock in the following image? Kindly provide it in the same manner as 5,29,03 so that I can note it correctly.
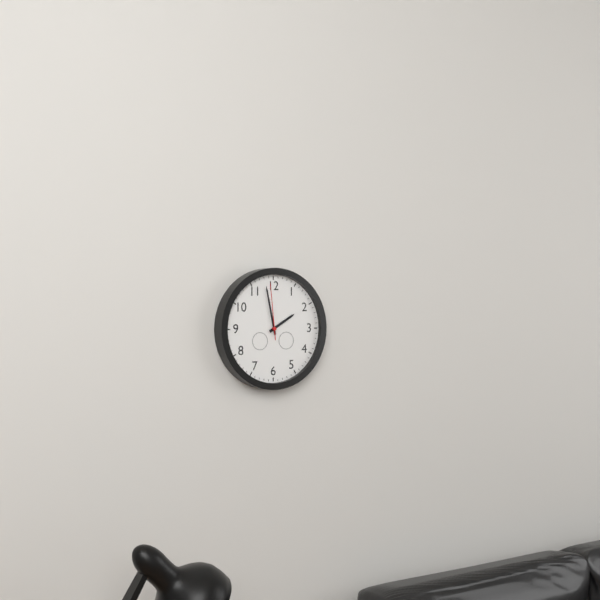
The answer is 1,58,59
